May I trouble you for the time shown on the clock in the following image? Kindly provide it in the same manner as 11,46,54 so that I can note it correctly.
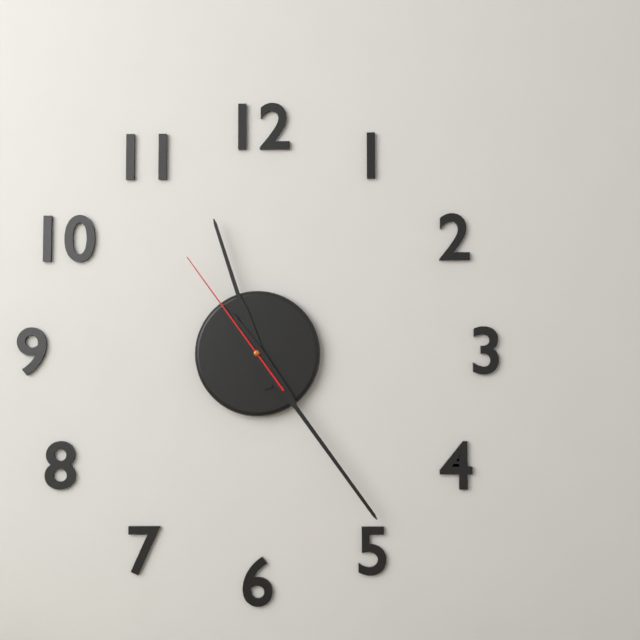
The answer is 11,24,54
